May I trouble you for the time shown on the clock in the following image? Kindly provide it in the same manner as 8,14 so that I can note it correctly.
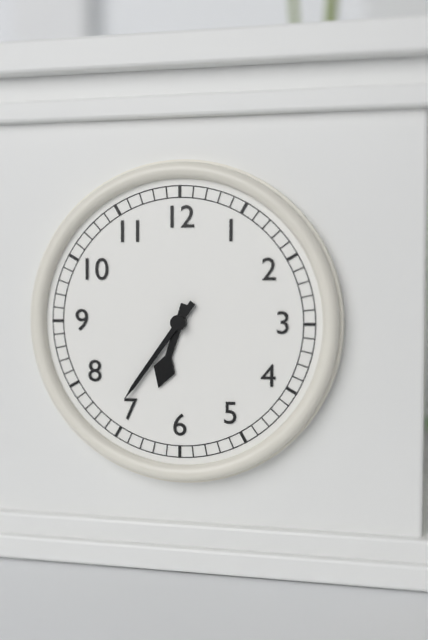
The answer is 6,36
